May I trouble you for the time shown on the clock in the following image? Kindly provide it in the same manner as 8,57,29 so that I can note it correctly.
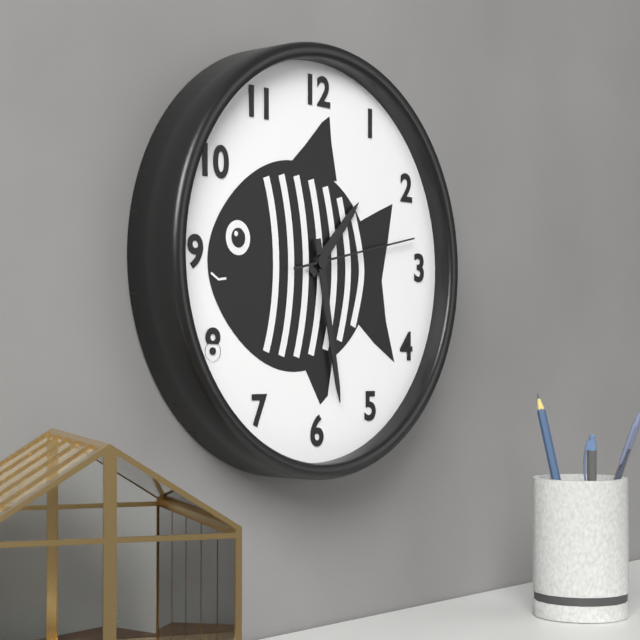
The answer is 1,28,13
